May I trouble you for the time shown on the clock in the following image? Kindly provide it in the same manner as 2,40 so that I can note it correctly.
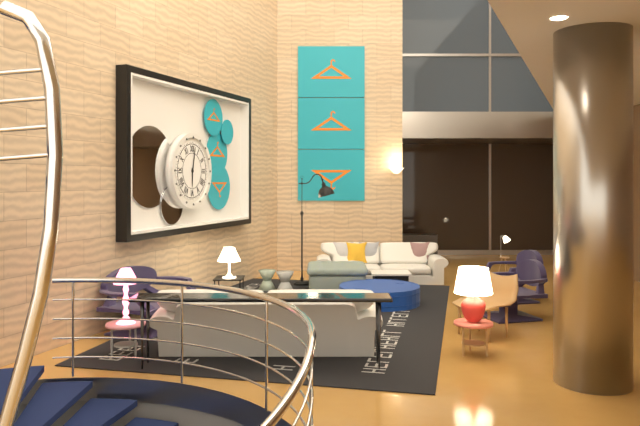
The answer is 6,02
